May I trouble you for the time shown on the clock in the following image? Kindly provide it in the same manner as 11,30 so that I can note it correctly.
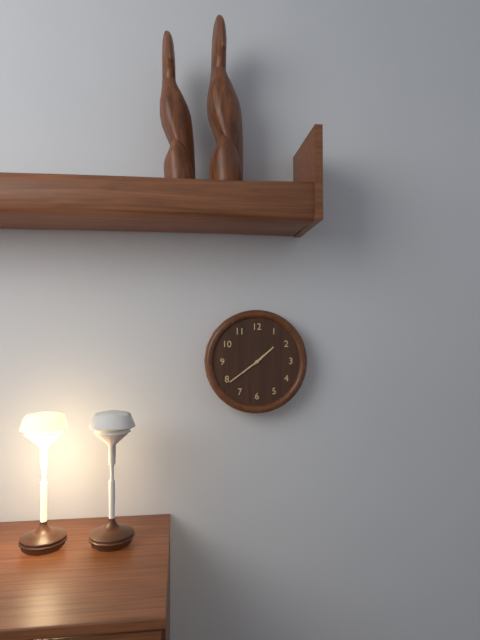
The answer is 1,39
